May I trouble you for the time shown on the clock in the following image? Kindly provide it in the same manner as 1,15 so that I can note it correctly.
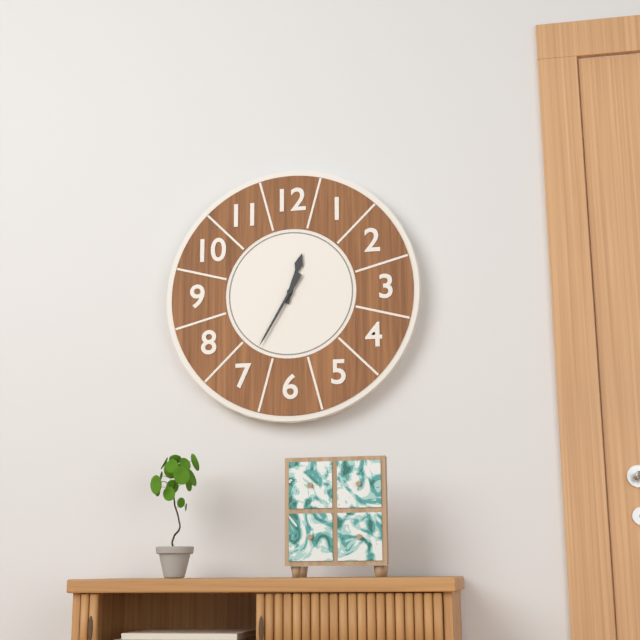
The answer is 12,35
